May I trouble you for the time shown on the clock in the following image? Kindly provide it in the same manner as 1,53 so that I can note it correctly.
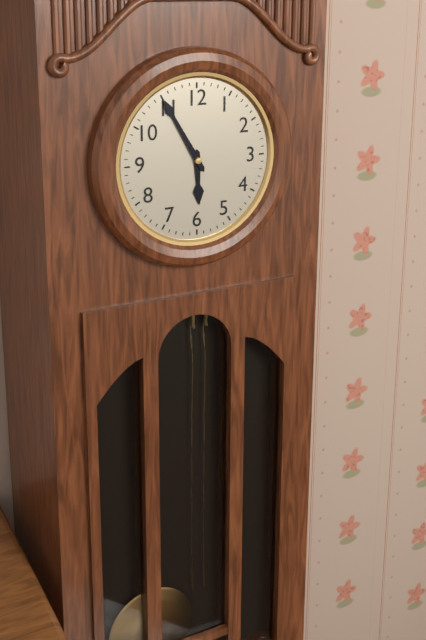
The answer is 5,55
